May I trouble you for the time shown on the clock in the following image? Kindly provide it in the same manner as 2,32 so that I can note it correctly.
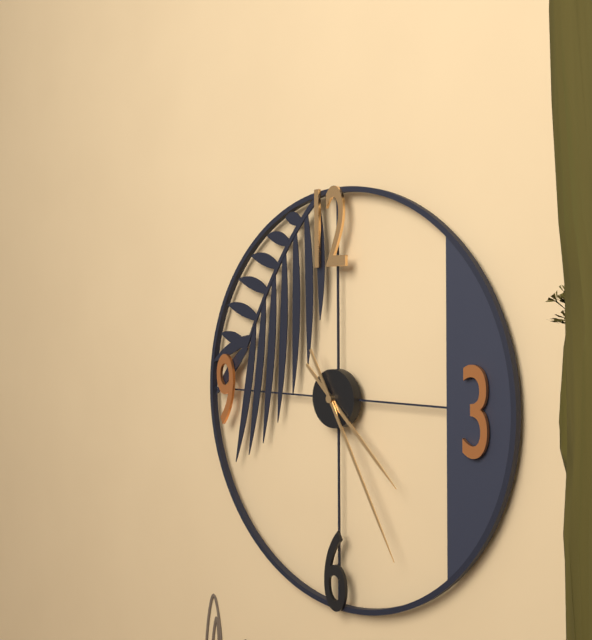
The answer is 4,25
